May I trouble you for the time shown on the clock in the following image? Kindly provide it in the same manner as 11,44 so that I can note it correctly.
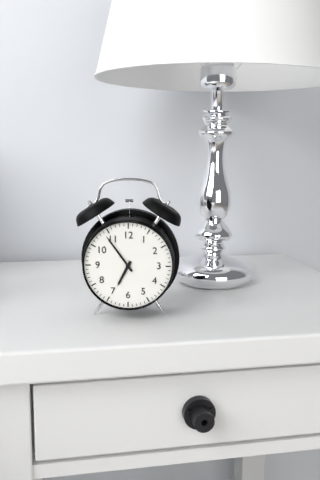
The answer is 6,54
